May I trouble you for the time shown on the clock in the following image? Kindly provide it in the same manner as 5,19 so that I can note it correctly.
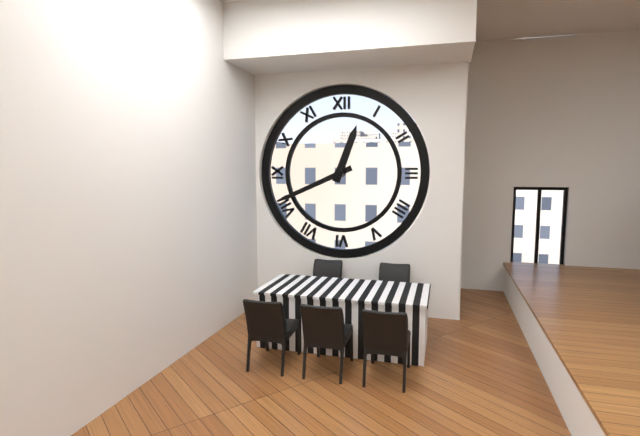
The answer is 12,41
